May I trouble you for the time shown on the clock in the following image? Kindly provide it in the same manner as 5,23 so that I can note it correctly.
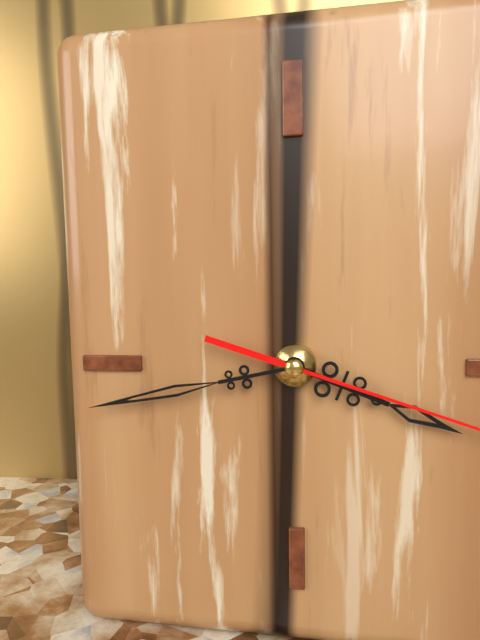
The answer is 3,43
